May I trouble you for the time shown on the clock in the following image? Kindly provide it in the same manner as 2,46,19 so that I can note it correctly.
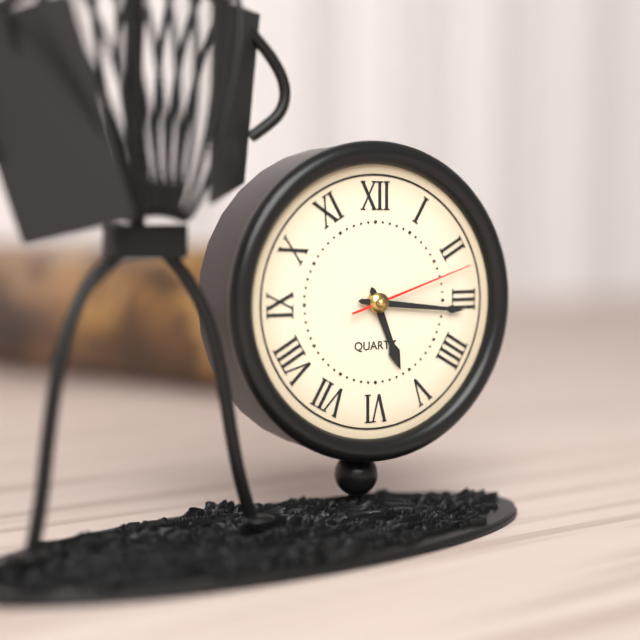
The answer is 5,16,12
